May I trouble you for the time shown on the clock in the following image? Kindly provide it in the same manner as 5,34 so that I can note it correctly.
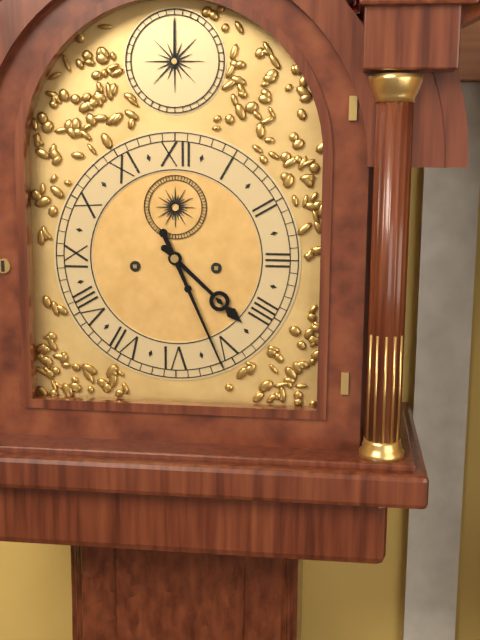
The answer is 4,26
